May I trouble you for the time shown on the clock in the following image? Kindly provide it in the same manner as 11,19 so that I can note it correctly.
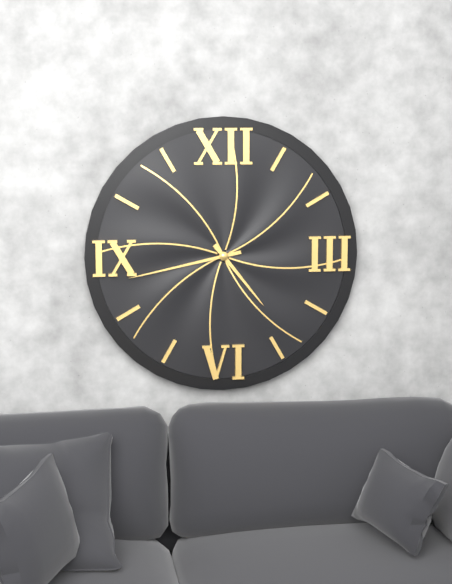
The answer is 4,43
